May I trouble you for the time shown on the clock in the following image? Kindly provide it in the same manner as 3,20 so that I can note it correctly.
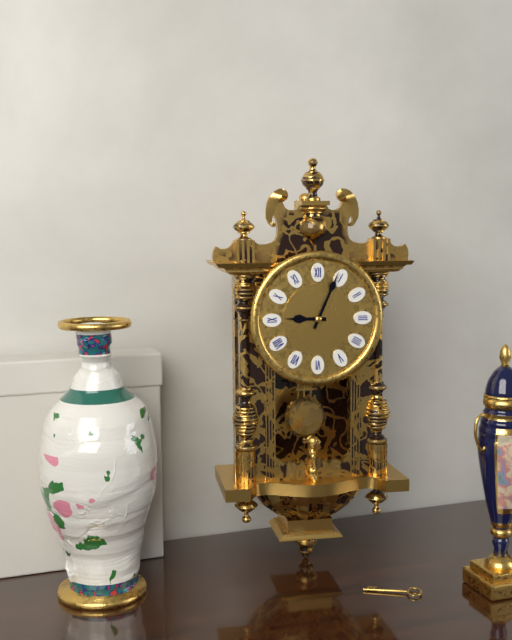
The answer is 9,04
